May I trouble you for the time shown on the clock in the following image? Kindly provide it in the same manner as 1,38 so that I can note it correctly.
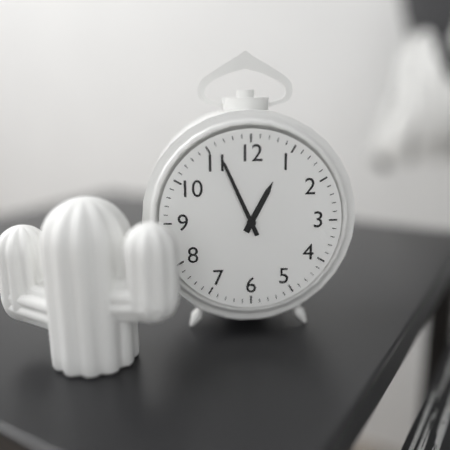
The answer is 12,56
